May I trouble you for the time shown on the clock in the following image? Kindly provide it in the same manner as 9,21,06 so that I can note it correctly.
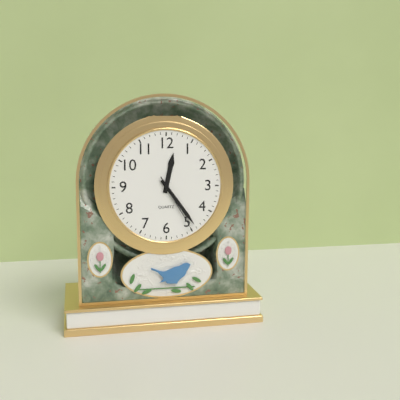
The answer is 12,24,25
